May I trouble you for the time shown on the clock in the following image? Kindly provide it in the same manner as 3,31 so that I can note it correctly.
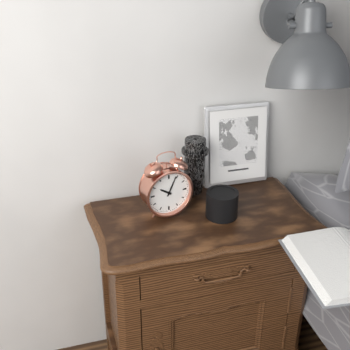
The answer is 10,04
